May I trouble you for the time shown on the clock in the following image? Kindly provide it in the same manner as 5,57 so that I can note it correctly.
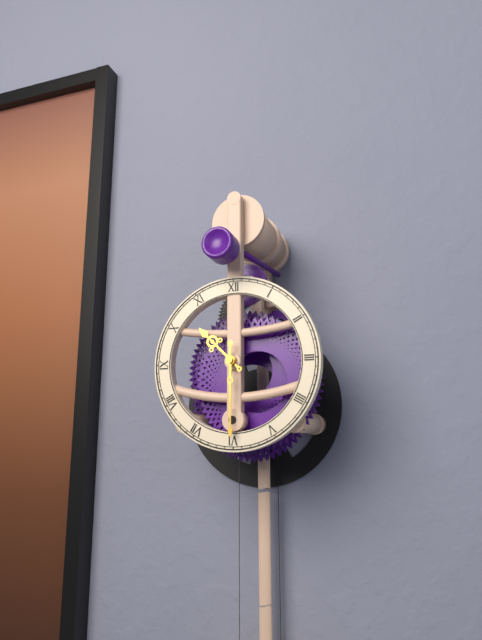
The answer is 10,30
